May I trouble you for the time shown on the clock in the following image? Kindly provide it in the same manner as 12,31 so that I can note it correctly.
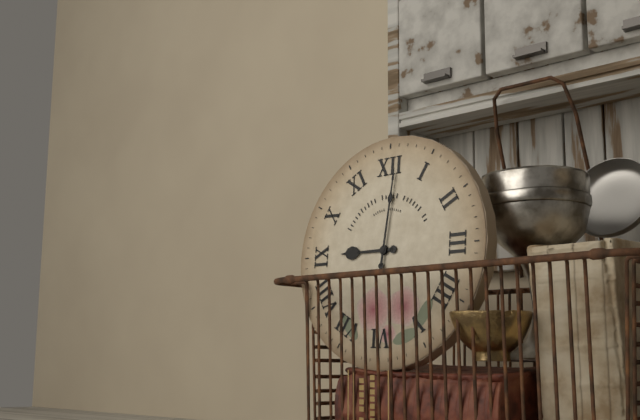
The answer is 9,01
